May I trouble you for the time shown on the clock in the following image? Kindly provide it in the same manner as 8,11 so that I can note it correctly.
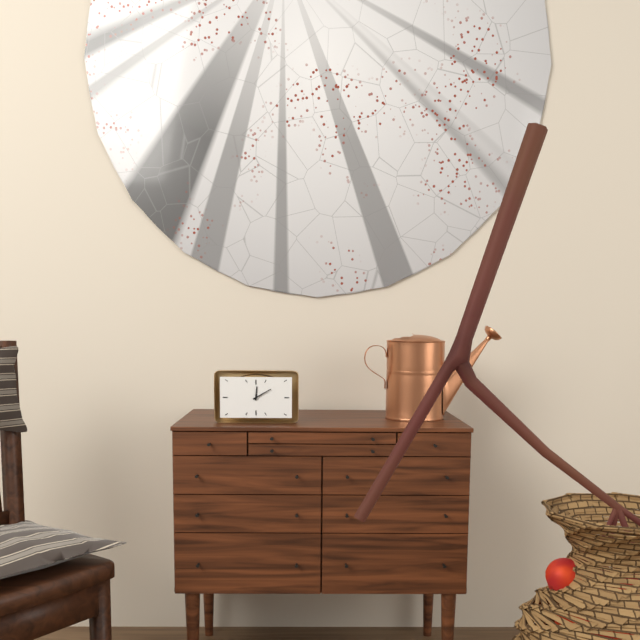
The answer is 12,10
